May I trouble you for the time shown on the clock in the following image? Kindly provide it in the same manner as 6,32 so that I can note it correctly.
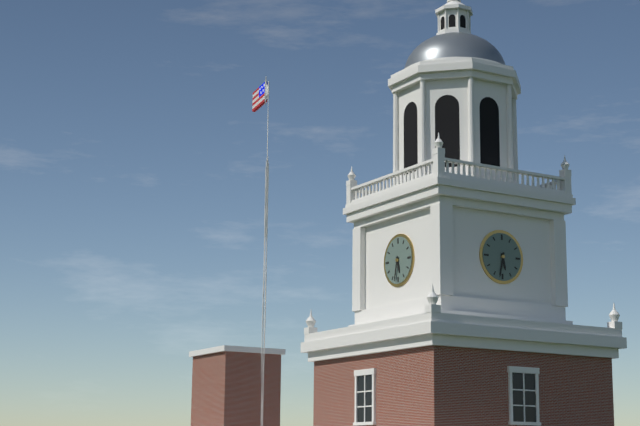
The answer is 5,32
